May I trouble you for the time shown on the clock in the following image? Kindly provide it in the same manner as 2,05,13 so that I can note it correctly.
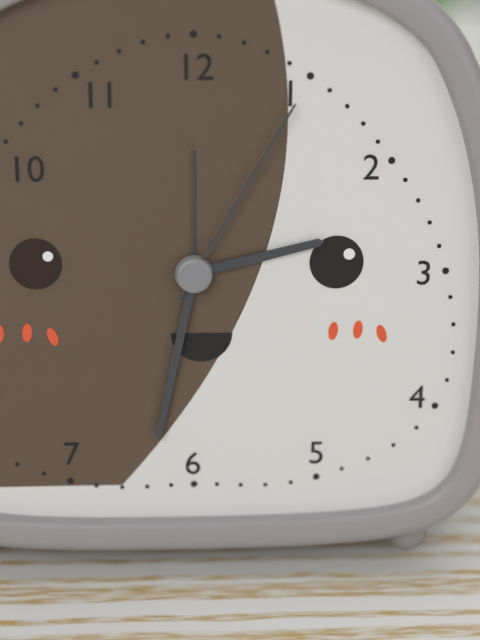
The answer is 2,32,05
